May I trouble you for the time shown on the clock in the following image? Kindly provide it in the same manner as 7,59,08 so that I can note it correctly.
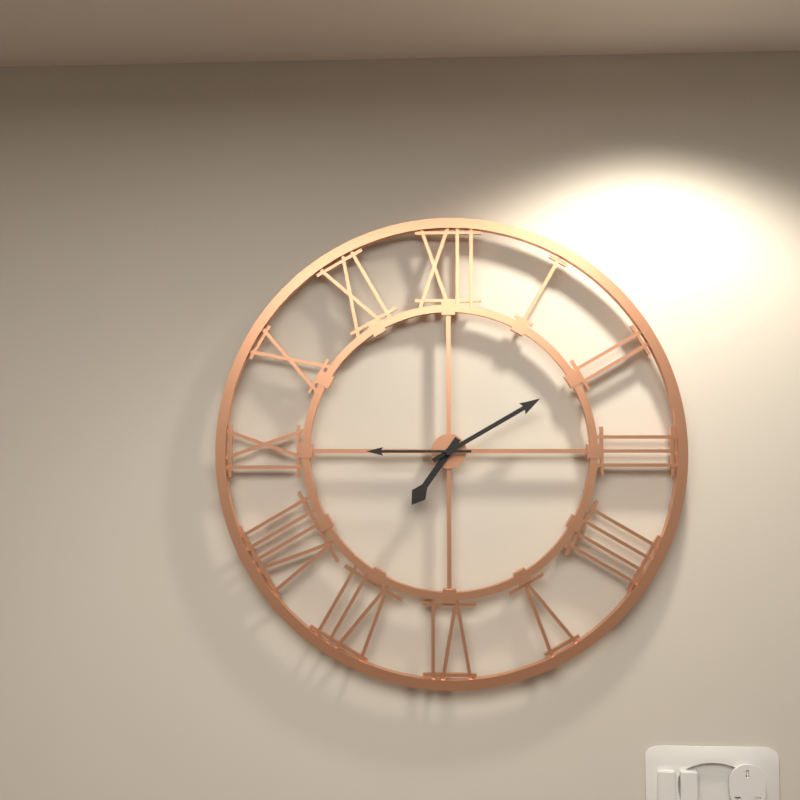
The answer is 7,10,45
